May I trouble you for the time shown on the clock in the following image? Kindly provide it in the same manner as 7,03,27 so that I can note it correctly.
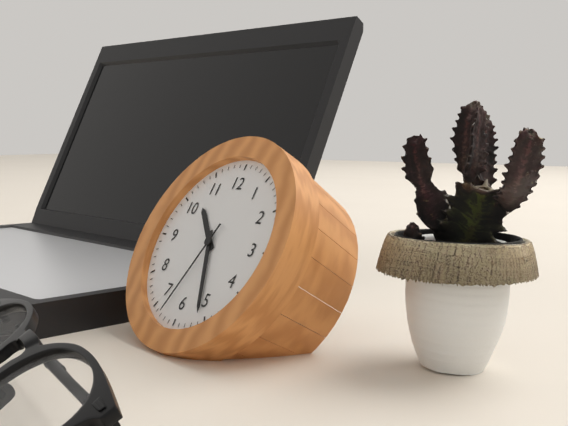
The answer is 10,26,33
